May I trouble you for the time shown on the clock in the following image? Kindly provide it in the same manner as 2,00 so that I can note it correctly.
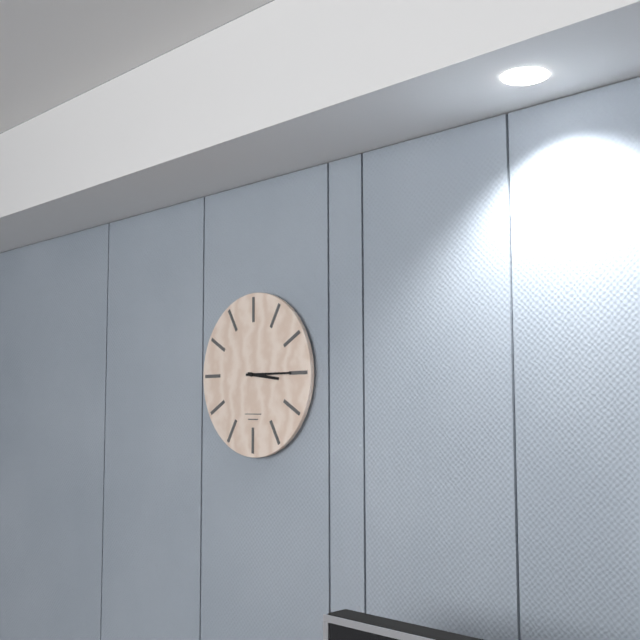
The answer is 3,15
